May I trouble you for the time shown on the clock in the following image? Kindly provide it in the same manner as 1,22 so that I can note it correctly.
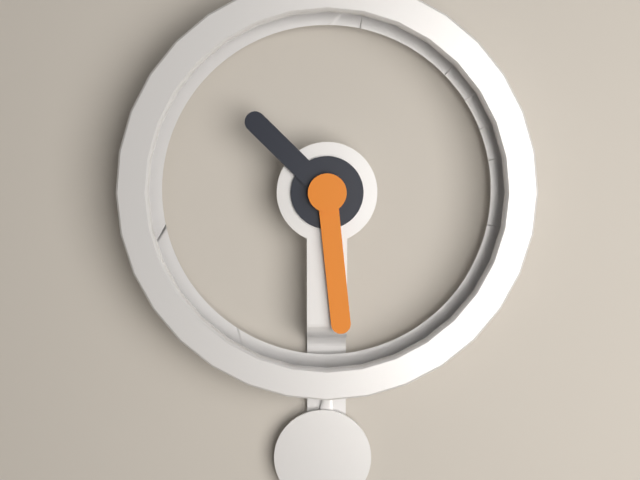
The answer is 10,29
